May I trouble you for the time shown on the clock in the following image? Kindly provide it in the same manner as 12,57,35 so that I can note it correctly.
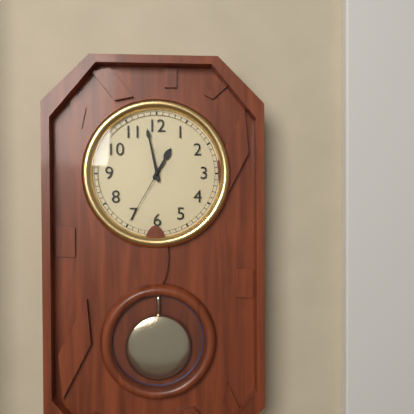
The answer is 12,58,35
